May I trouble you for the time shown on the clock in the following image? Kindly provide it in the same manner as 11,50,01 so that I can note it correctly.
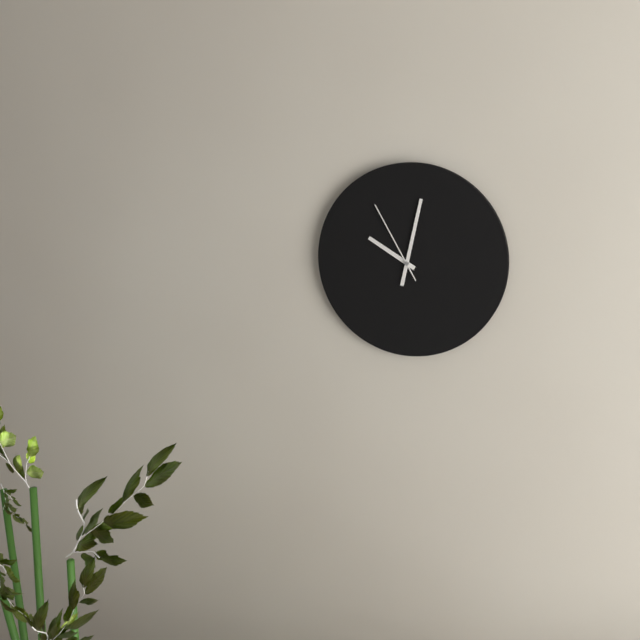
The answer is 10,02,55
